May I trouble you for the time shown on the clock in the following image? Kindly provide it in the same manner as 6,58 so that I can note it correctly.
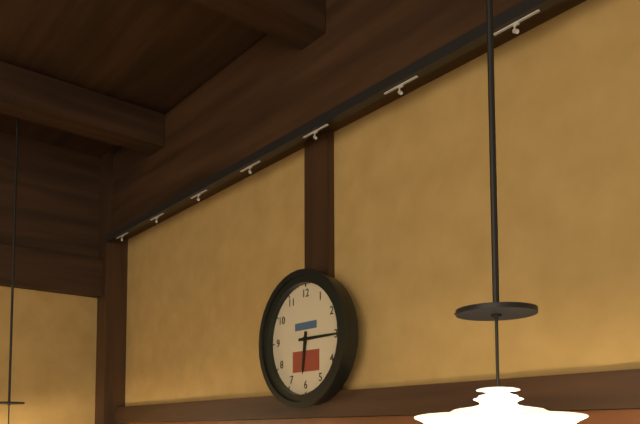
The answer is 6,15
